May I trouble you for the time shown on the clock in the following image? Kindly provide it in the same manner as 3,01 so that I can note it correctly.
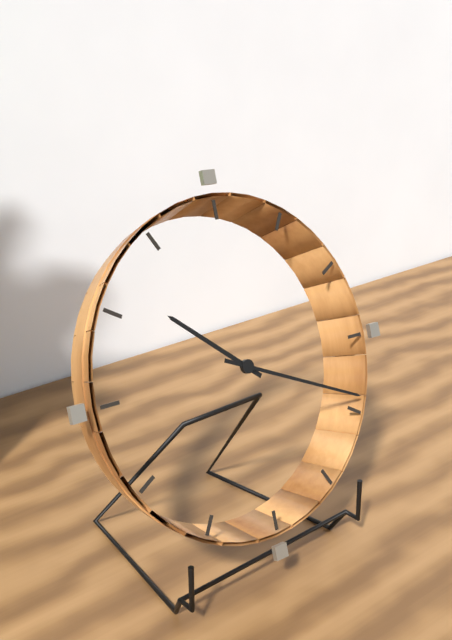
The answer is 10,19
